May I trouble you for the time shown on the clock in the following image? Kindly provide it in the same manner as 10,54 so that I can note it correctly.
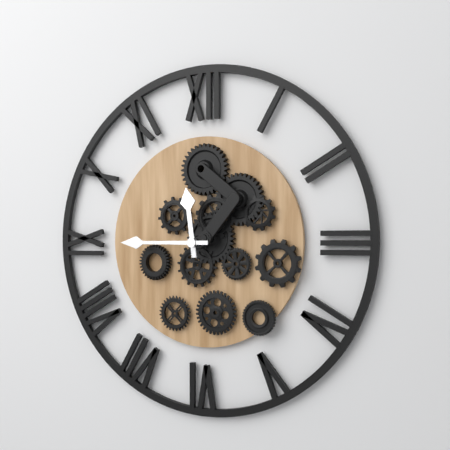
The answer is 11,45
